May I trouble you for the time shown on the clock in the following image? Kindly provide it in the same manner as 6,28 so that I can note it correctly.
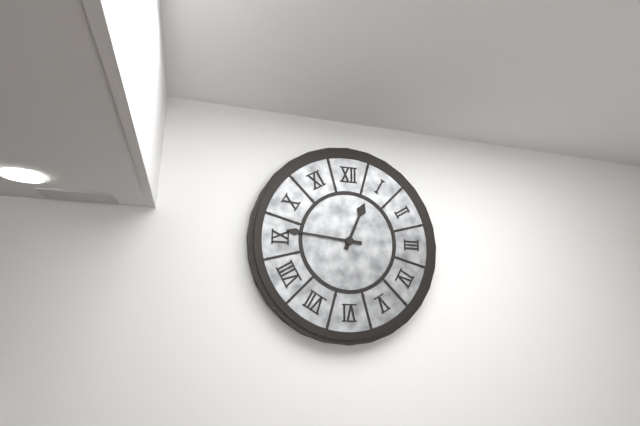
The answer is 12,46
